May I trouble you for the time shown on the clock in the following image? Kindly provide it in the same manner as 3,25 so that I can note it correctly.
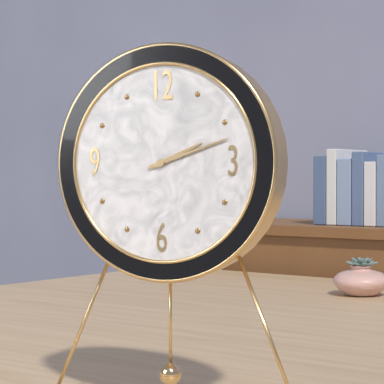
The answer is 2,12
